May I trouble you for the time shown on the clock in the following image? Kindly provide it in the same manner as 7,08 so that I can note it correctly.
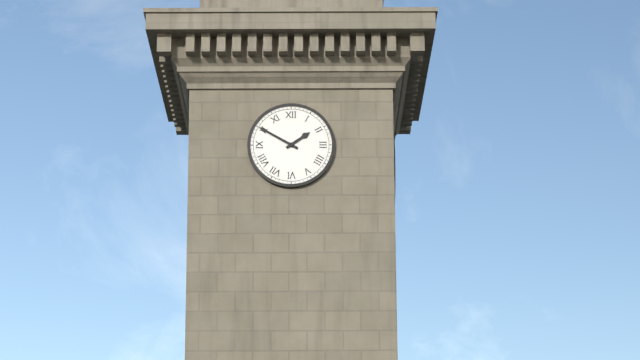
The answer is 1,50
